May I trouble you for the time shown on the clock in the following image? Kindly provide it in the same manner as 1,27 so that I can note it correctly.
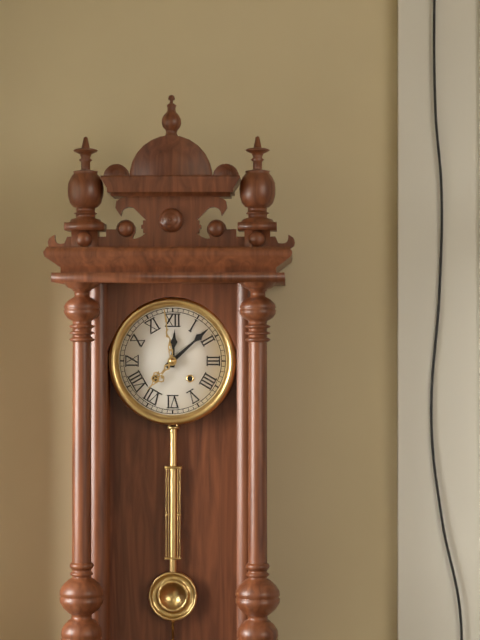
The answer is 12,08
